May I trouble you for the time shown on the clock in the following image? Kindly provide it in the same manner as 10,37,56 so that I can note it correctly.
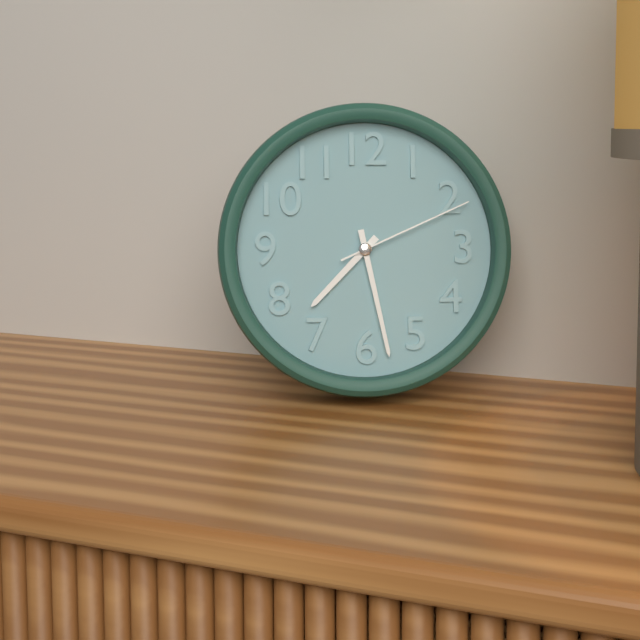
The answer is 7,28,11
